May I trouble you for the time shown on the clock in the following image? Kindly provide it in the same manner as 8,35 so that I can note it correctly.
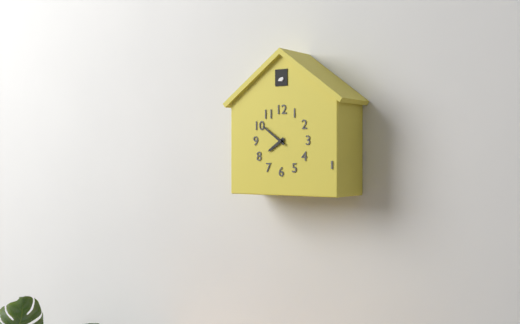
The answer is 7,51
